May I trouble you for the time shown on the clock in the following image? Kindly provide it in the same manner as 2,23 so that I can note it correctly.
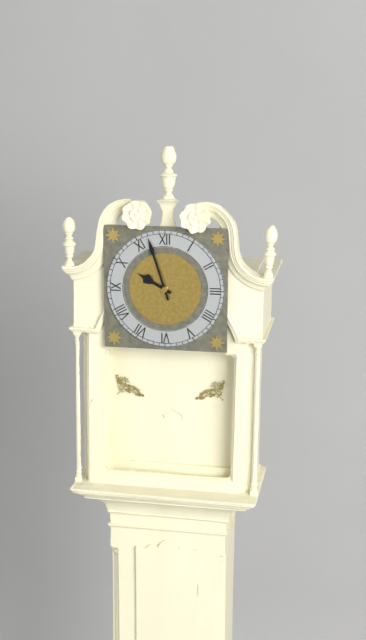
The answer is 9,57
